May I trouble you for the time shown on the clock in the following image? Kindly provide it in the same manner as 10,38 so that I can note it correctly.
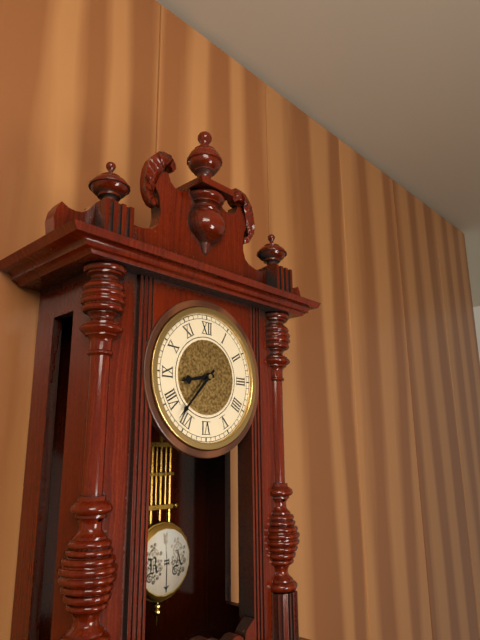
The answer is 8,37
